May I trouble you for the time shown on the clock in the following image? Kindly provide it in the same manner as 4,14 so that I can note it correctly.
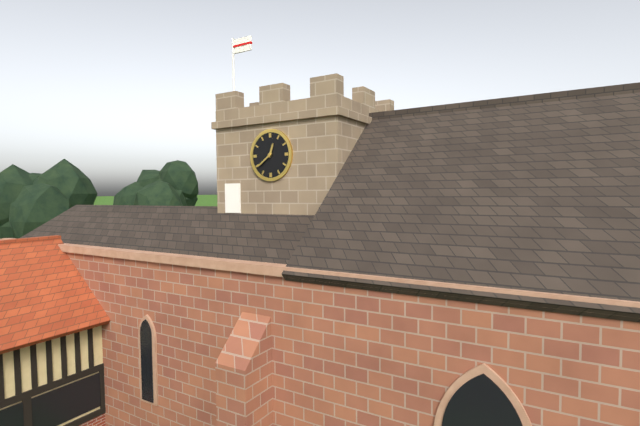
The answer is 12,39
